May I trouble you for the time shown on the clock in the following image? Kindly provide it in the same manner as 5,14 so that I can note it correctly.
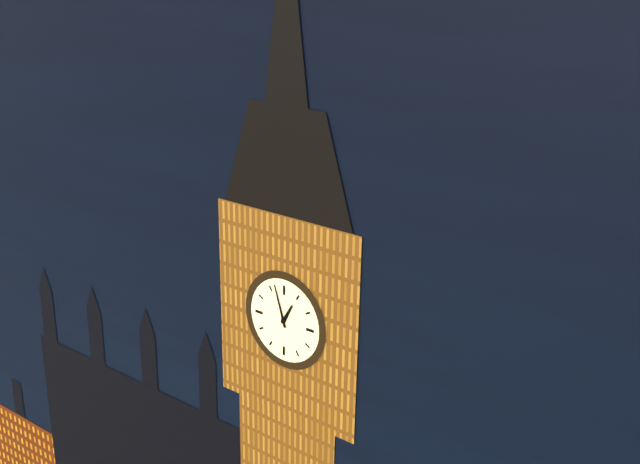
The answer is 12,57
